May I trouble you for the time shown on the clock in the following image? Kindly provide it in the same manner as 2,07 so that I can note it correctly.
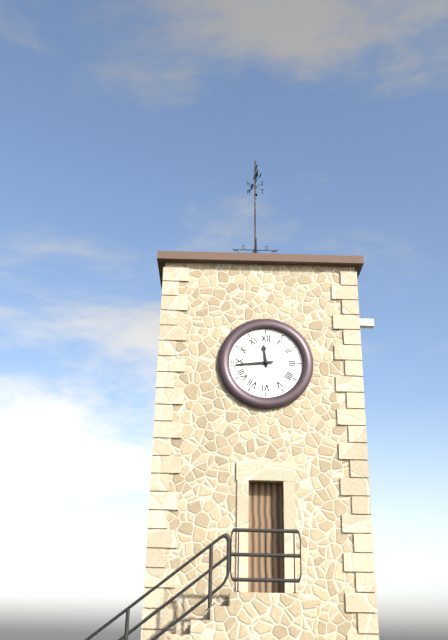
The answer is 11,44
